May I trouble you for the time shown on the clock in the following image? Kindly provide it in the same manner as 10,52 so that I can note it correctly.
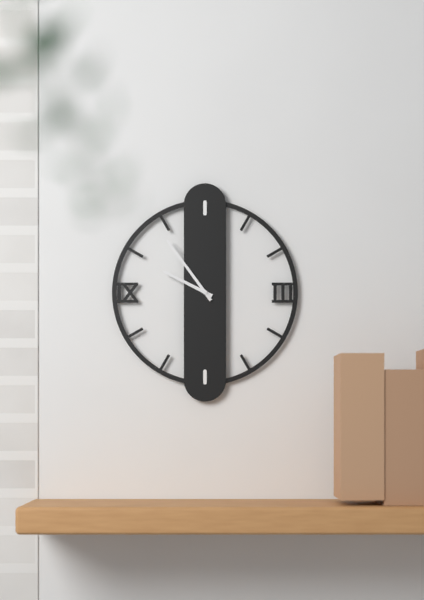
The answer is 9,54
